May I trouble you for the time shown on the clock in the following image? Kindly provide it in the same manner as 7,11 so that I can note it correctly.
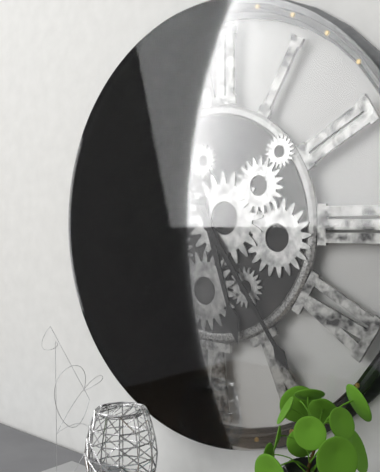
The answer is 5,24
